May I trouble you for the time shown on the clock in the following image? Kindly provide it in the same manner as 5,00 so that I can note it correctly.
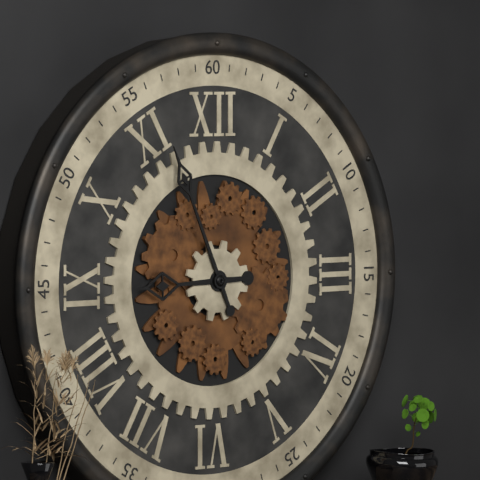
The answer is 8,56
